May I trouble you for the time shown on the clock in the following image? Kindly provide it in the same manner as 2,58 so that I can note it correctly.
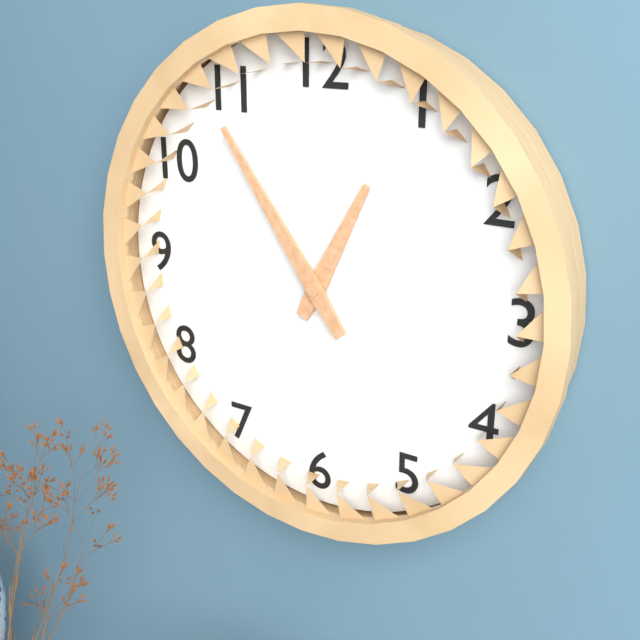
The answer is 12,54
